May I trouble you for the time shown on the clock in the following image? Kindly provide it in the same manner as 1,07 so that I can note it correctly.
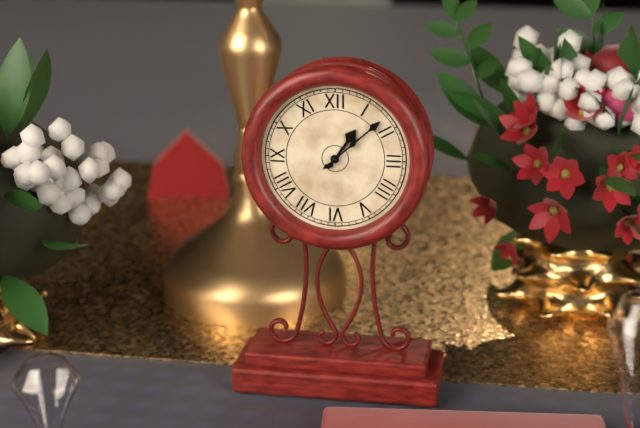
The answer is 1,08
